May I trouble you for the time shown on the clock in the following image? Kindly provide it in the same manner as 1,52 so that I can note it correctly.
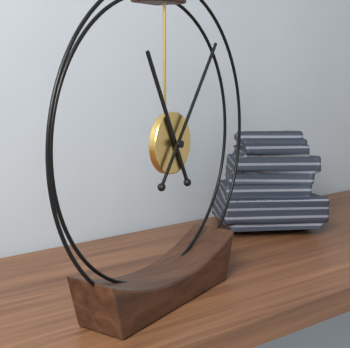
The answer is 11,06
